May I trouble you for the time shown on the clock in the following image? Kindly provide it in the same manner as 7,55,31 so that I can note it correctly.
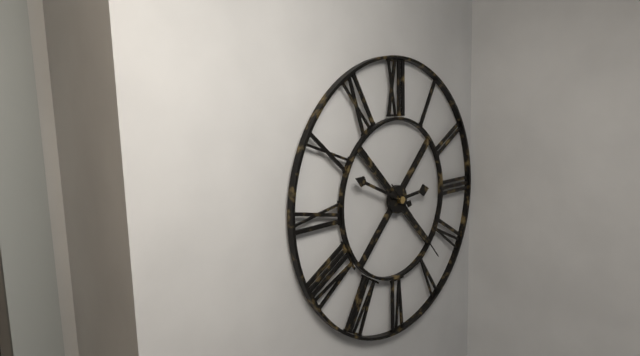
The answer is 2,49,23
